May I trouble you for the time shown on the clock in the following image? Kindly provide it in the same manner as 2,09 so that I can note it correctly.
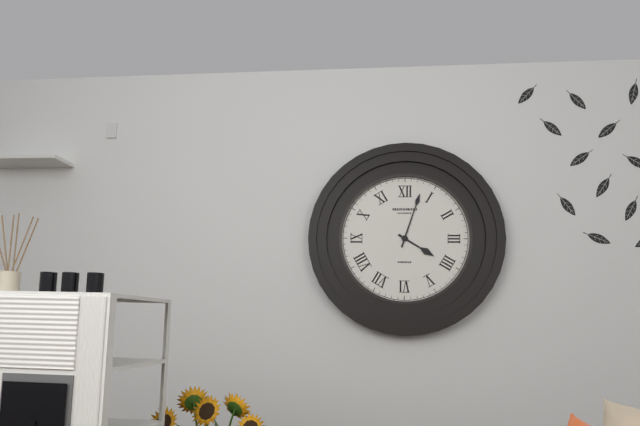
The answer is 4,03
